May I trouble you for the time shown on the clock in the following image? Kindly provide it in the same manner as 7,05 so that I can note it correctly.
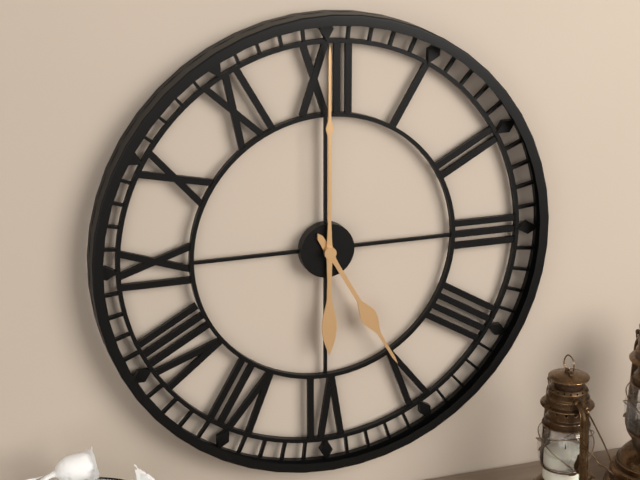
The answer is 5,00
